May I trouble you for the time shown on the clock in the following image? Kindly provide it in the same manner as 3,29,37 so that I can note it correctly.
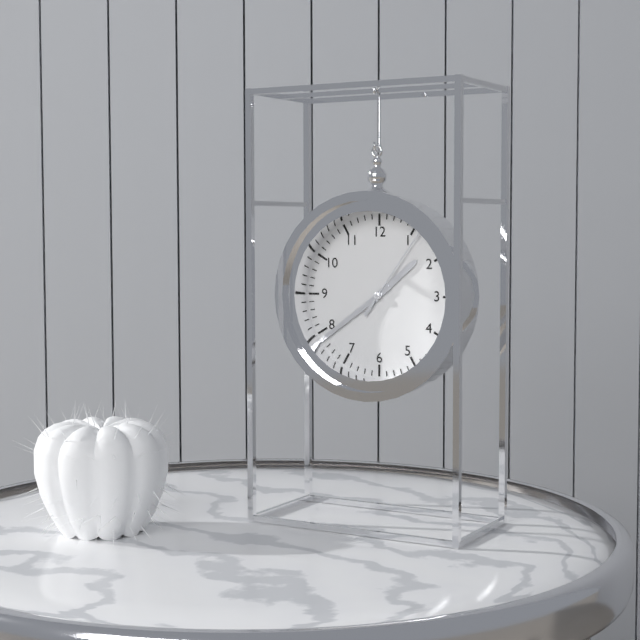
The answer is 1,39,06
